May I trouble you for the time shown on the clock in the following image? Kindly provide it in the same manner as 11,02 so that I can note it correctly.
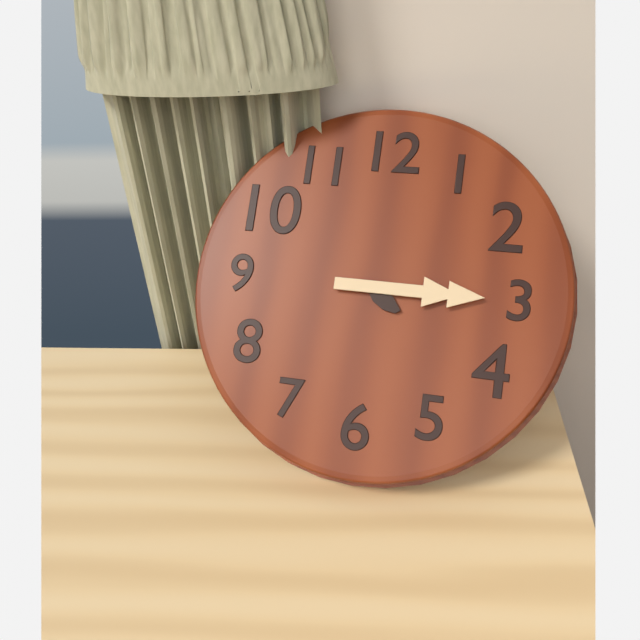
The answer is 4,15
